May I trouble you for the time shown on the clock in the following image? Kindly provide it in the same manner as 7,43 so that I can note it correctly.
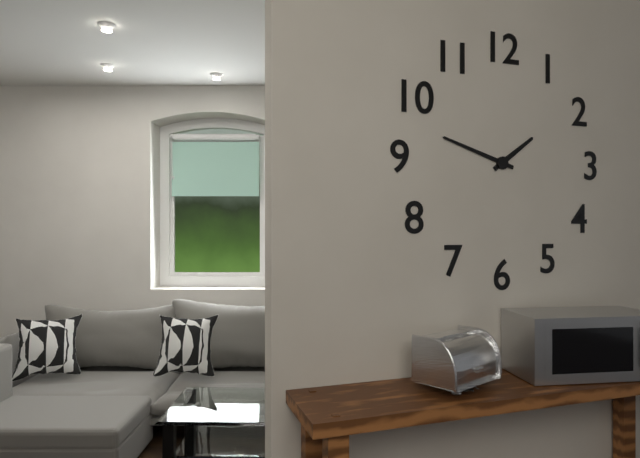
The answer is 1,48
